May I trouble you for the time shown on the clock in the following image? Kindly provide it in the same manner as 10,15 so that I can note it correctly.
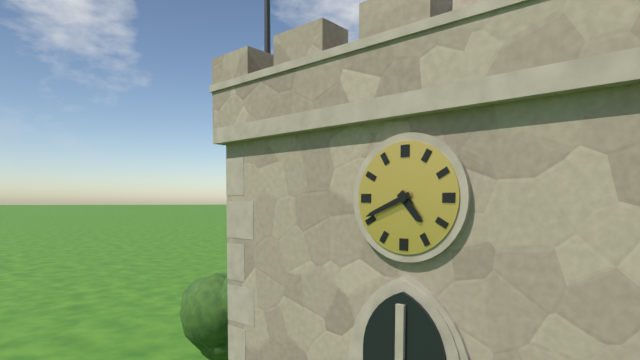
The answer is 4,41
